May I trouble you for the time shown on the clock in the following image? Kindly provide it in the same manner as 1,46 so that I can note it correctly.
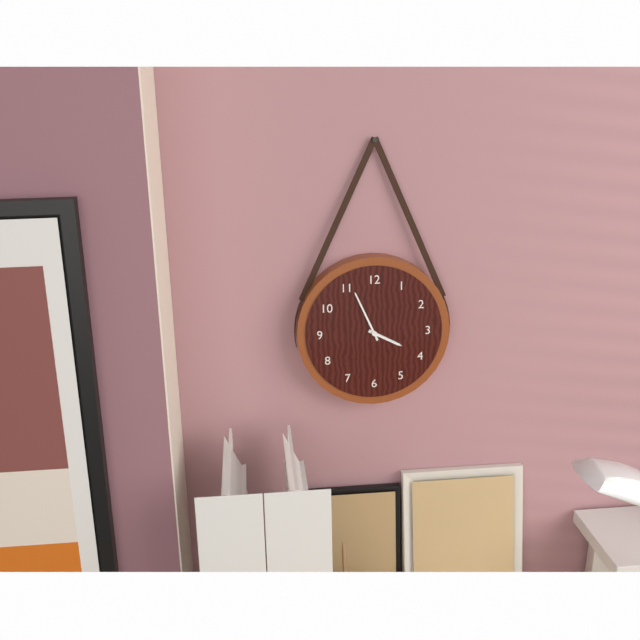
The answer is 3,56
